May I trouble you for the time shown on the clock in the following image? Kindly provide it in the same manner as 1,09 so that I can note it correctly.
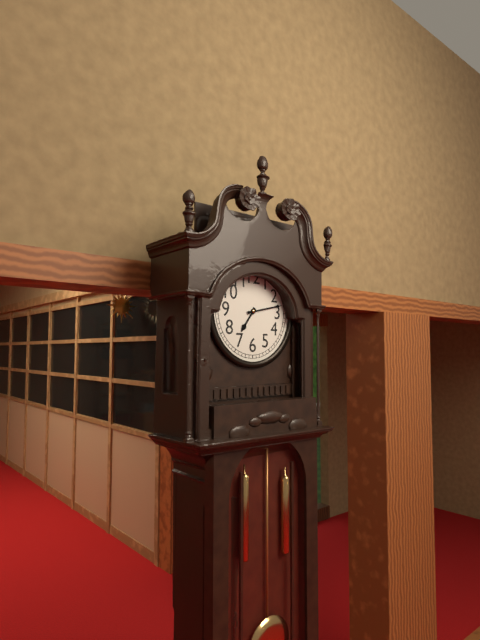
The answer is 7,13
